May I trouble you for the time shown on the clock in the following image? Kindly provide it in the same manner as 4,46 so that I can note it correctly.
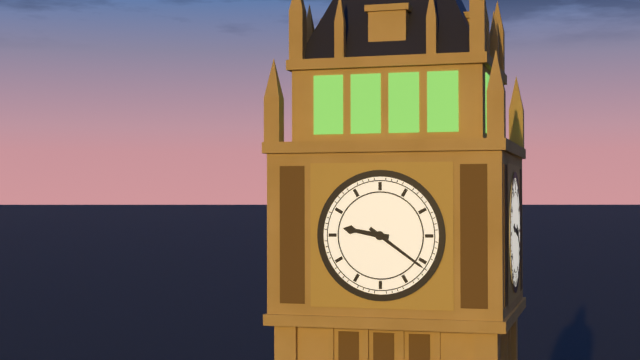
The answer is 9,21
